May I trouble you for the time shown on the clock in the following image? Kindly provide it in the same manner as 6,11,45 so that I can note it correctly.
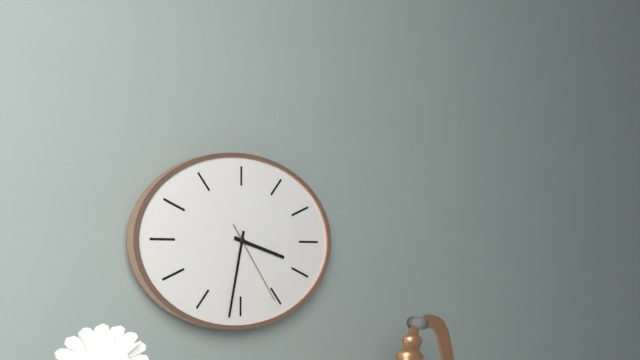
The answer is 3,32,24
